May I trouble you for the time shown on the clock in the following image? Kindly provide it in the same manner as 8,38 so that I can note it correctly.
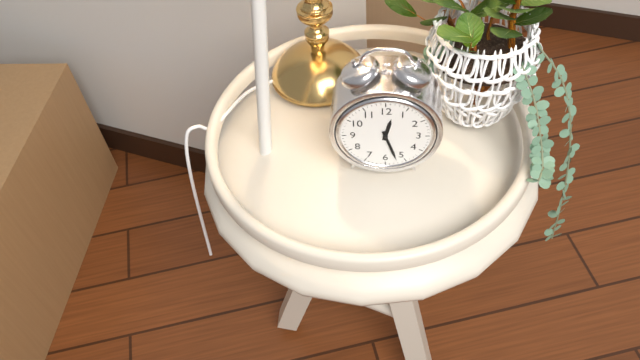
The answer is 12,27
